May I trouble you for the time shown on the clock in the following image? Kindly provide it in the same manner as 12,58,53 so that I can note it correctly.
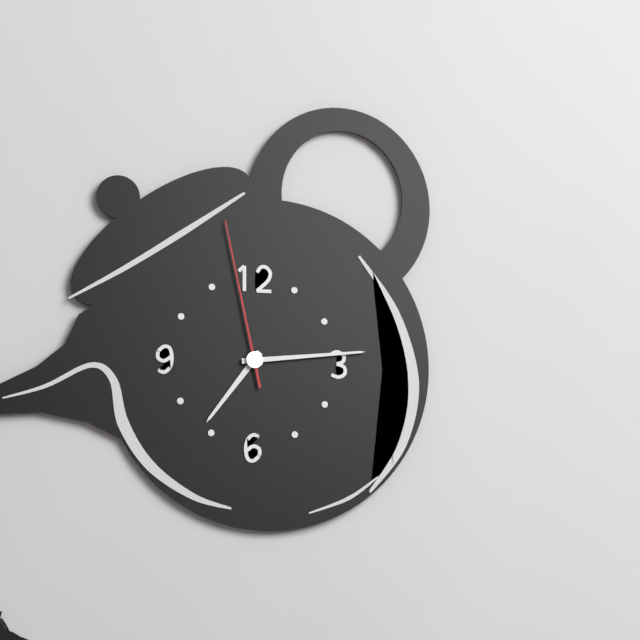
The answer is 7,14,58
